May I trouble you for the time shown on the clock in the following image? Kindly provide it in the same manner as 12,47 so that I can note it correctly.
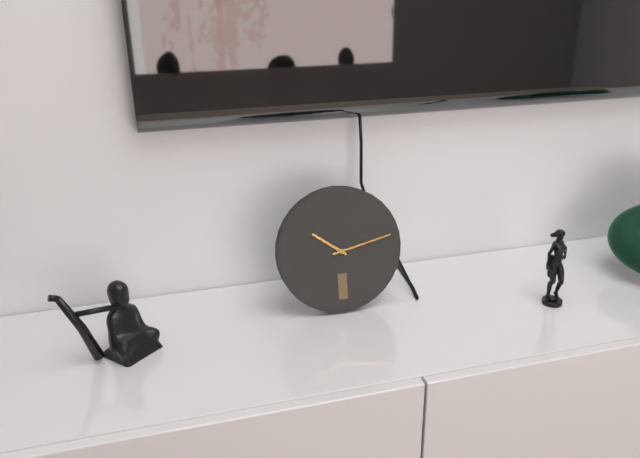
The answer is 10,13
